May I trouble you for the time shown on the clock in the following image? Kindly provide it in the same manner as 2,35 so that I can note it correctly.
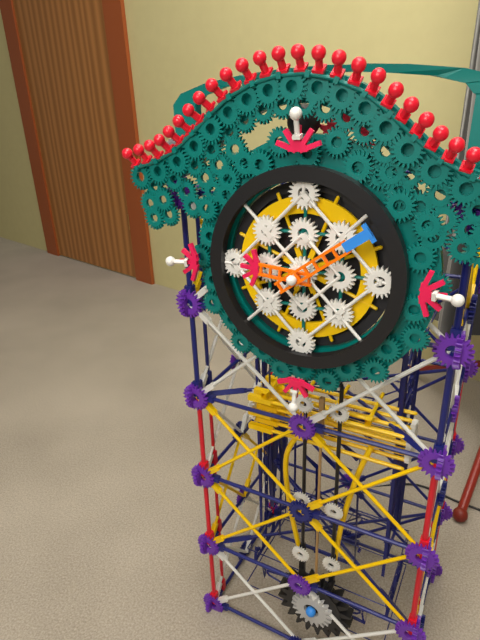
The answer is 9,09
